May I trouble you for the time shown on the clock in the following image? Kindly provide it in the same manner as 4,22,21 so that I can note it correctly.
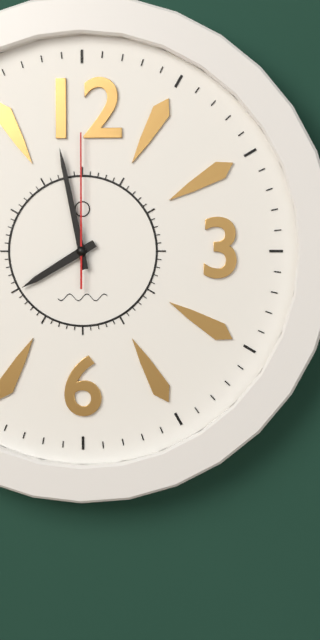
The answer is 7,58,00
